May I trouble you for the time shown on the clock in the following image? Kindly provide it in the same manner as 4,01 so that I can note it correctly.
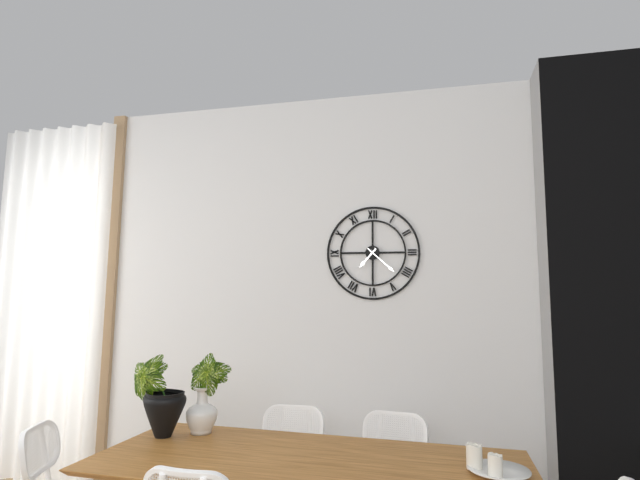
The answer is 7,22
